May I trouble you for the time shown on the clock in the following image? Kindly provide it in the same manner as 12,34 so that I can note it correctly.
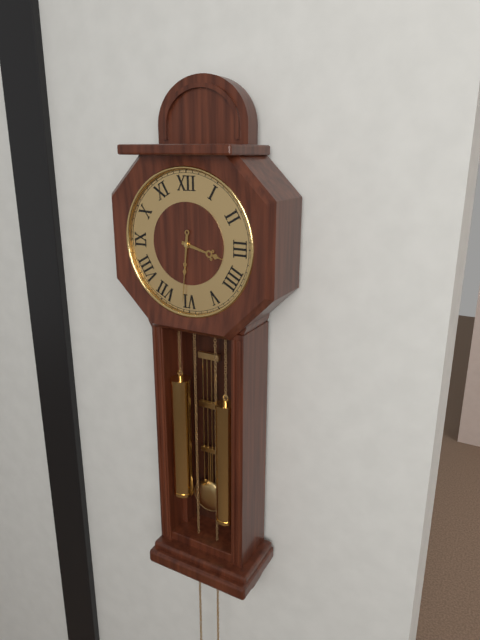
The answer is 3,31
